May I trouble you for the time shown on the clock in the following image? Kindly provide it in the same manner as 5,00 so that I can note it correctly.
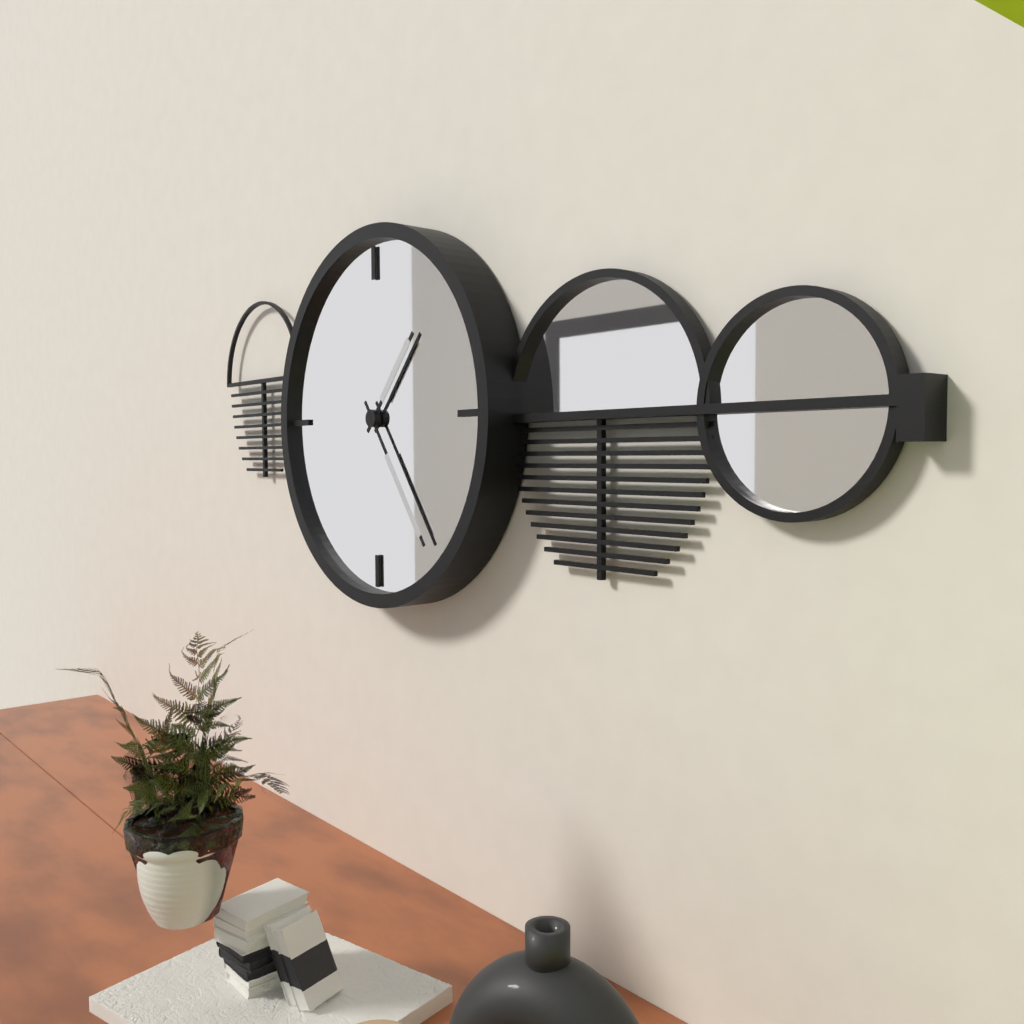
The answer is 1,24
